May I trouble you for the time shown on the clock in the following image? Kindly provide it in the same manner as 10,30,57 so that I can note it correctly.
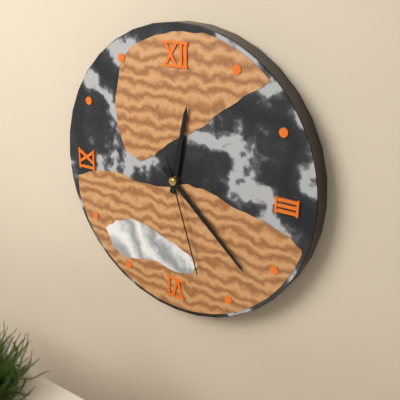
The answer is 12,22,27
